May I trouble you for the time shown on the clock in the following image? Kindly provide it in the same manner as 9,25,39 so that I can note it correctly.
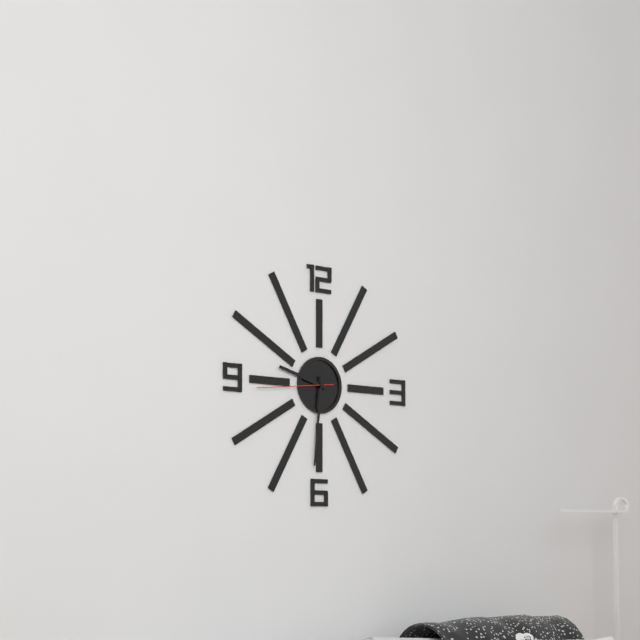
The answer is 9,31,44
